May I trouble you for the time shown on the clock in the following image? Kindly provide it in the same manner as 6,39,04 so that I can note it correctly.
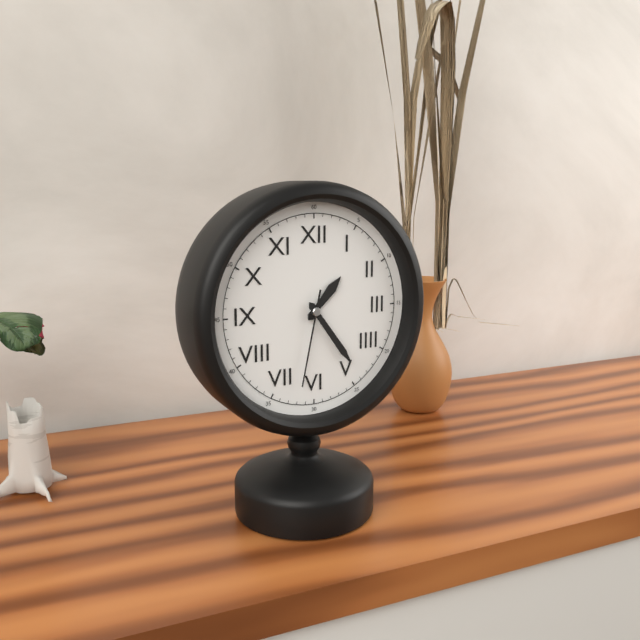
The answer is 1,24,32
